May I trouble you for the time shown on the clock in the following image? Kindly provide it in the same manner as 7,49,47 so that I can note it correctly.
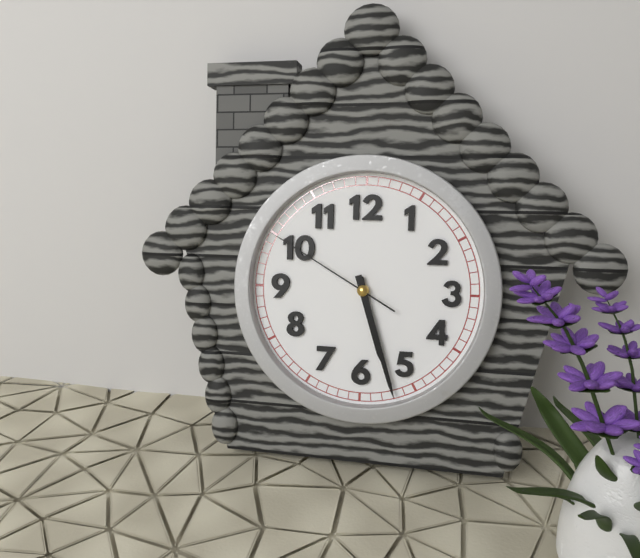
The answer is 5,27,50
